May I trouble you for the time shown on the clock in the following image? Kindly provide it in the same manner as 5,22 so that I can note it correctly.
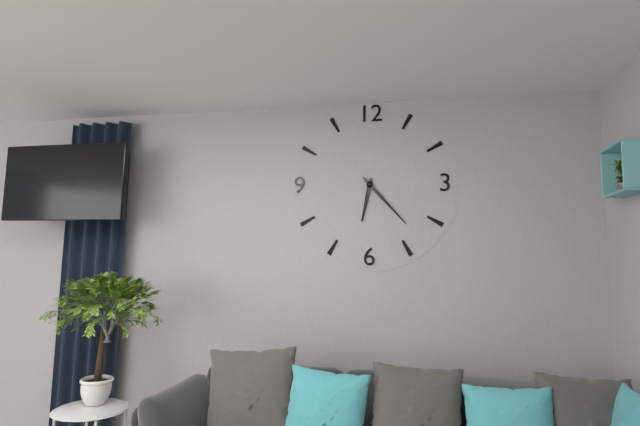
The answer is 6,23
